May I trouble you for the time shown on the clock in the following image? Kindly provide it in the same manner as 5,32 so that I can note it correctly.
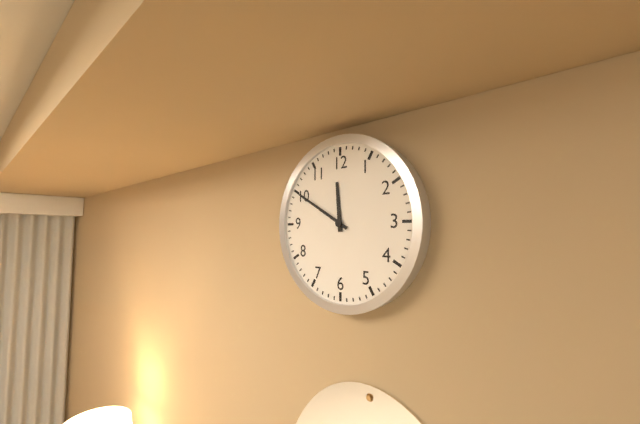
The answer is 11,50
